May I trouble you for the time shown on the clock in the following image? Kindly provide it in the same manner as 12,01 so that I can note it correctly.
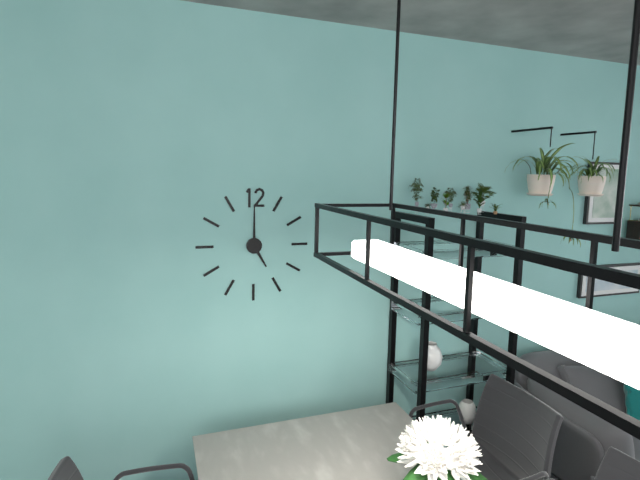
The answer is 5,00
